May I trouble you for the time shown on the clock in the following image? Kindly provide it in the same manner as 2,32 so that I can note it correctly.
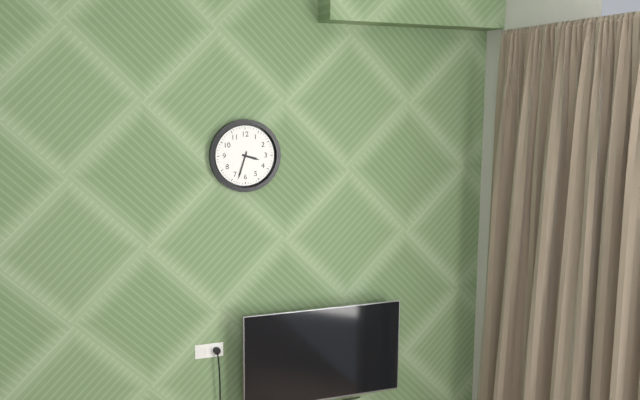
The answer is 3,33
